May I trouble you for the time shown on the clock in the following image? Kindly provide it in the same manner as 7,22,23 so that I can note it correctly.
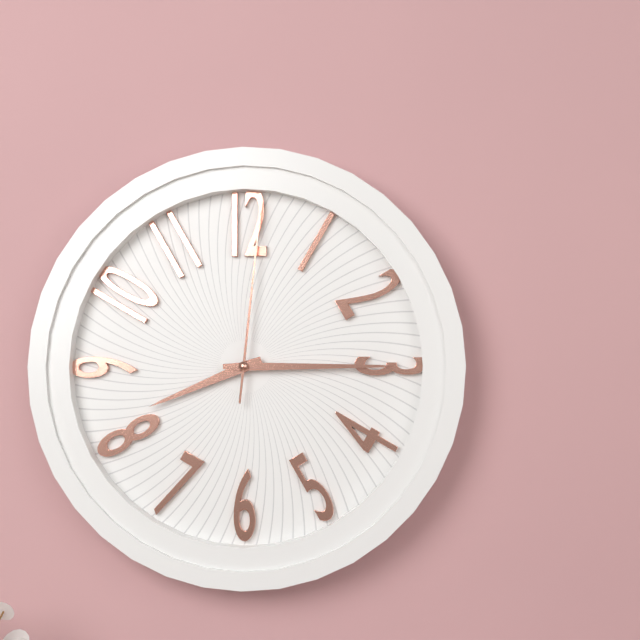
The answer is 8,15,01
